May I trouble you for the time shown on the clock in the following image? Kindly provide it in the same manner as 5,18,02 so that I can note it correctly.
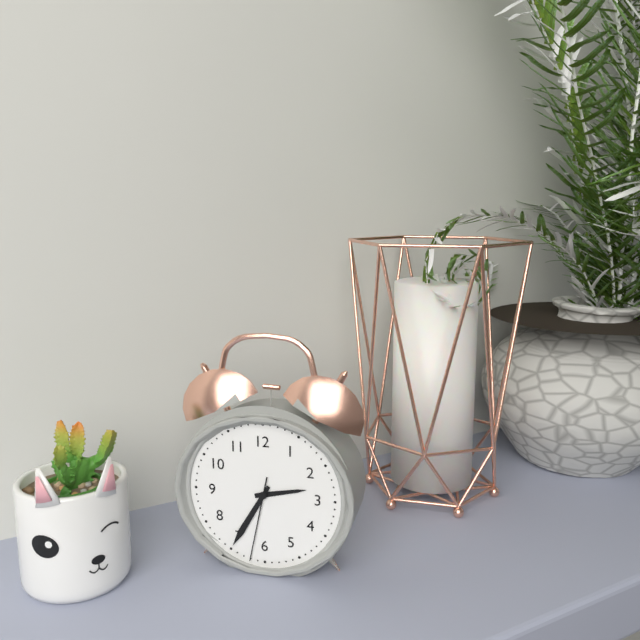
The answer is 2,35,32
